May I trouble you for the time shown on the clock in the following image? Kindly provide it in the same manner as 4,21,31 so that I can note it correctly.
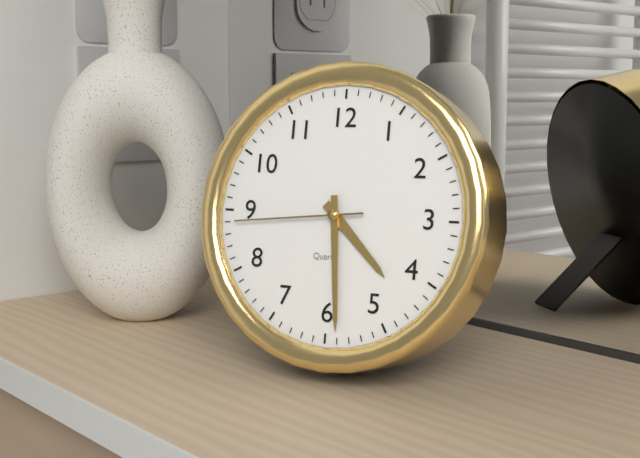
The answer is 4,29,44
